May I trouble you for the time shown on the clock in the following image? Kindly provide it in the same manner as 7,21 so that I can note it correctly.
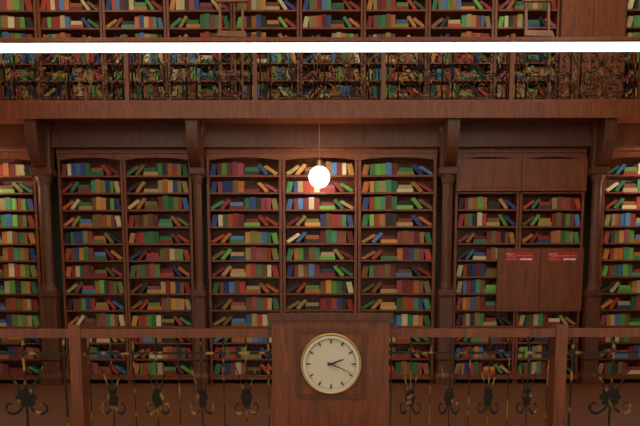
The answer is 2,19
